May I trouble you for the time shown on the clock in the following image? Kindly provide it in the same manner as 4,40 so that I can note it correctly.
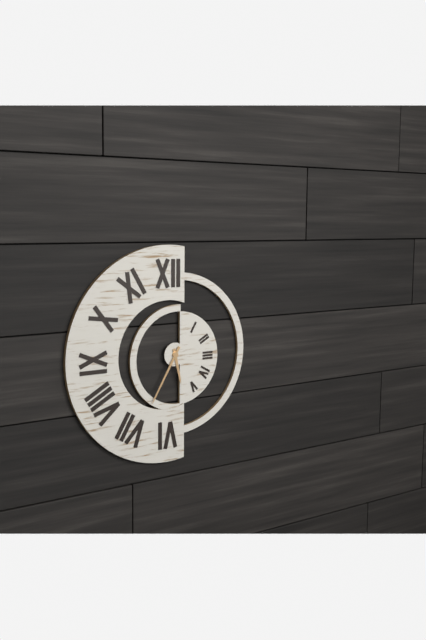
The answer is 5,35
